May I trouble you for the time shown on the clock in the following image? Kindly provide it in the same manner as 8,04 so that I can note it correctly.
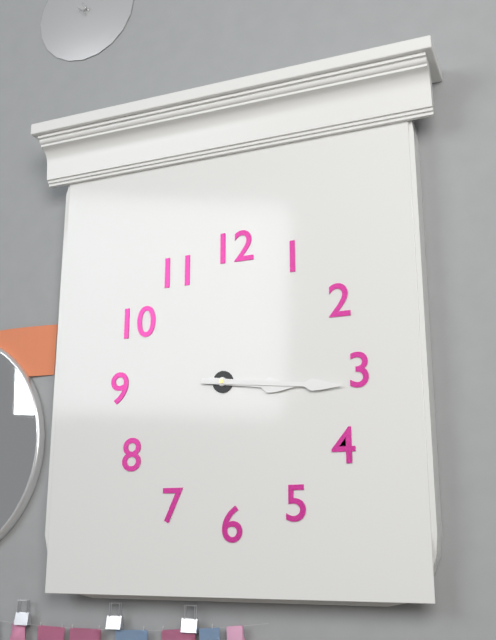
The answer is 3,16
